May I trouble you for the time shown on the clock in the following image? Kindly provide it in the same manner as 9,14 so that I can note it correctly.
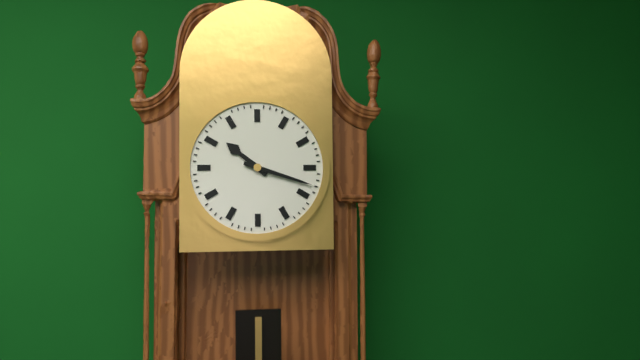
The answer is 10,18
